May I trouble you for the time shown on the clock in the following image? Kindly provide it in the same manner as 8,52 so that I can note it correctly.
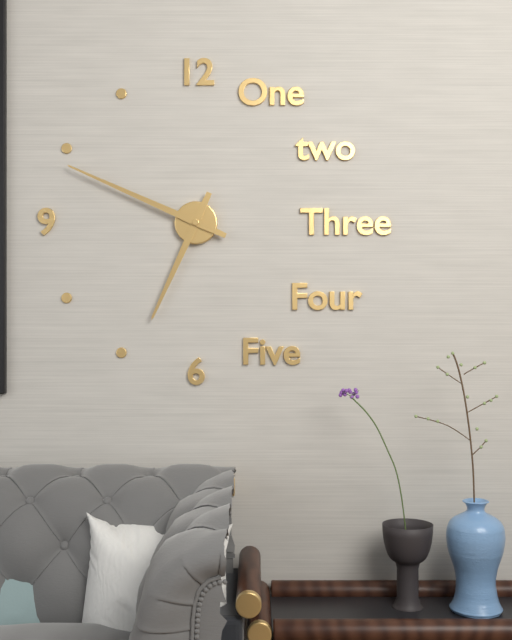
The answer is 6,49
